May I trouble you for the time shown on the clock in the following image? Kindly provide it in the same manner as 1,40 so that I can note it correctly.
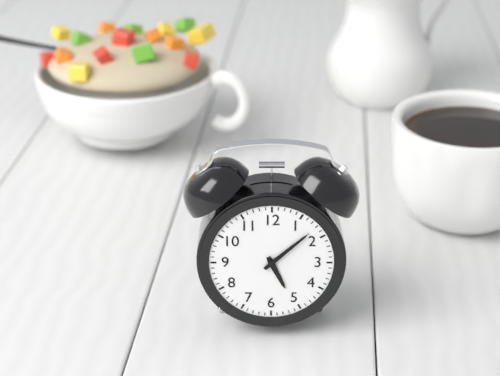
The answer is 5,08
